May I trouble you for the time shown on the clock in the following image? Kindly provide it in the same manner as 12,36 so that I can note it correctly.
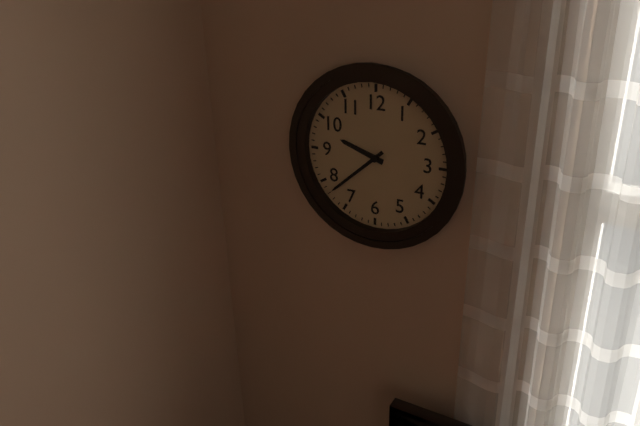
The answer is 9,38
